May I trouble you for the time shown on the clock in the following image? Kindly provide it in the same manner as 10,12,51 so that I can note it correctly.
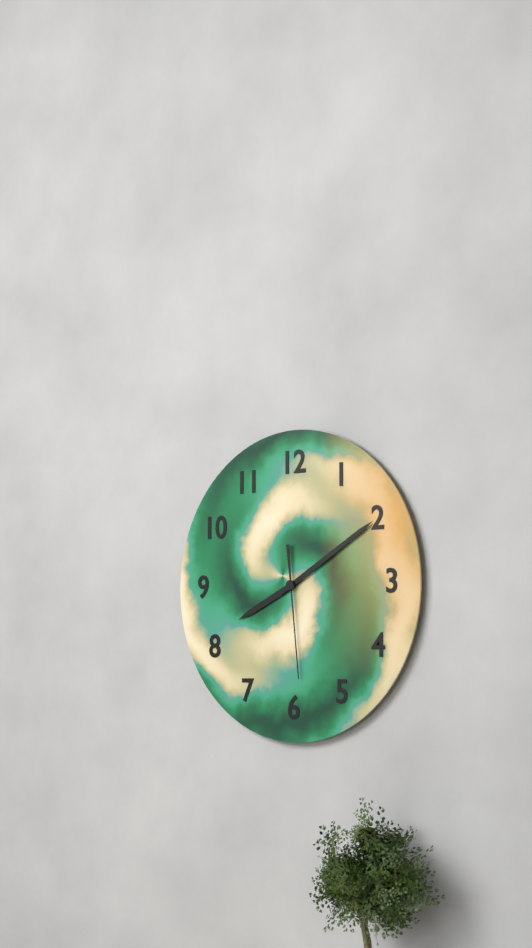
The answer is 8,10,29
